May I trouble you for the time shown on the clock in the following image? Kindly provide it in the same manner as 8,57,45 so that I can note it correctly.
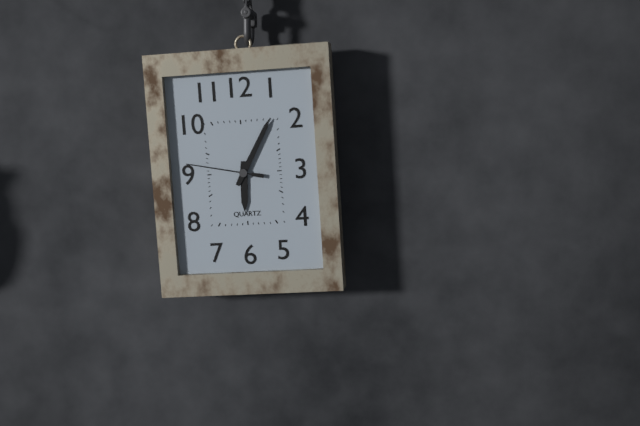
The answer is 6,05,47
